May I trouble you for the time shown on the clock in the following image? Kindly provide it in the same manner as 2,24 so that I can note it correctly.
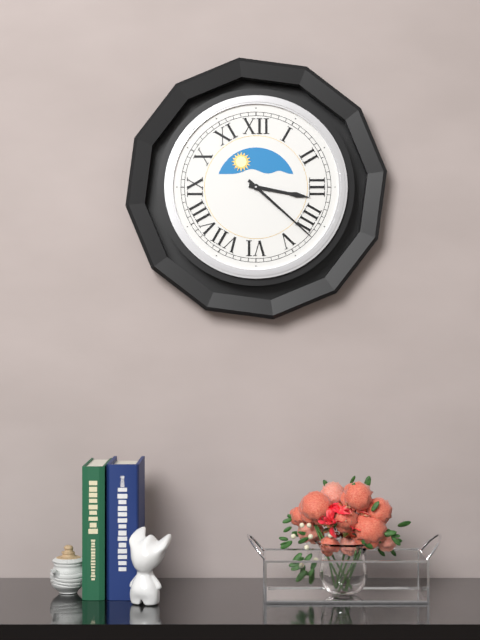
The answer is 3,22
